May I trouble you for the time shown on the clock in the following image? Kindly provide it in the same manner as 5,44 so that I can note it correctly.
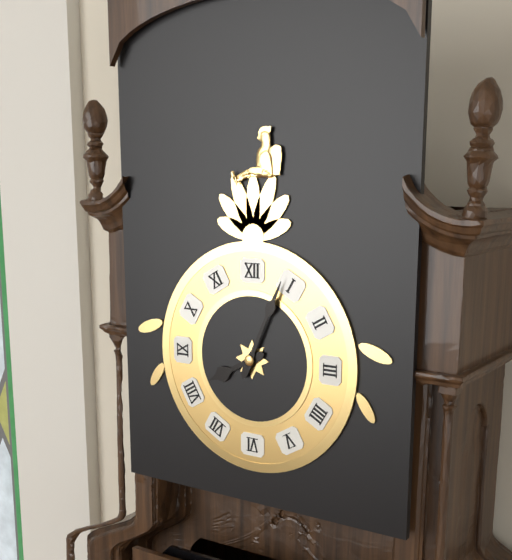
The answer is 8,04
